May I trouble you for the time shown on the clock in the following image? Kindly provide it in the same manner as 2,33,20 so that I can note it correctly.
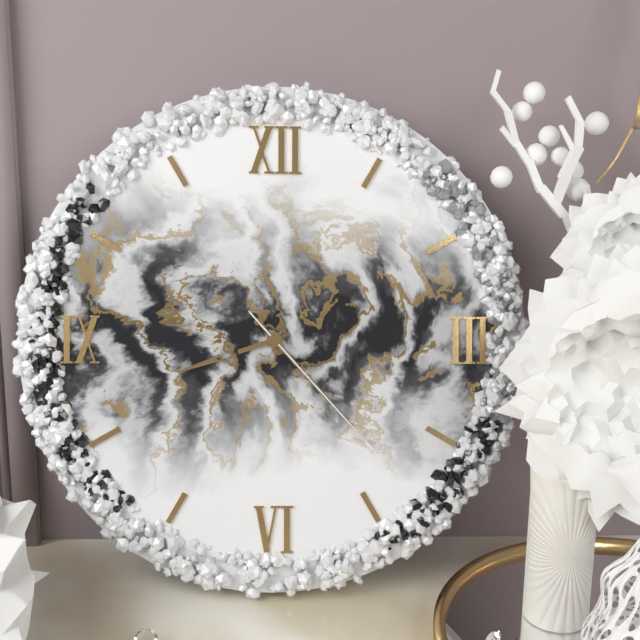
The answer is 8,23,23
